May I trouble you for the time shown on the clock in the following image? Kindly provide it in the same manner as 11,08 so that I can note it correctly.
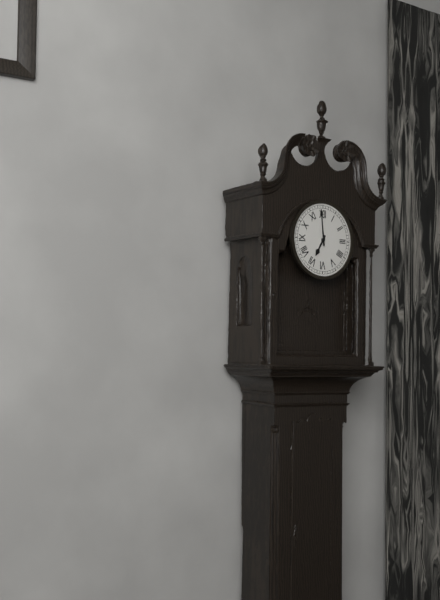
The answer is 6,59
